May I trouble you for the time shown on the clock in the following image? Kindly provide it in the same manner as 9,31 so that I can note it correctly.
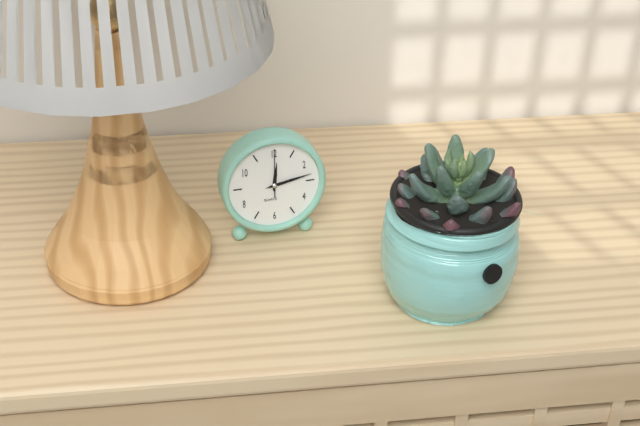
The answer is 12,13
